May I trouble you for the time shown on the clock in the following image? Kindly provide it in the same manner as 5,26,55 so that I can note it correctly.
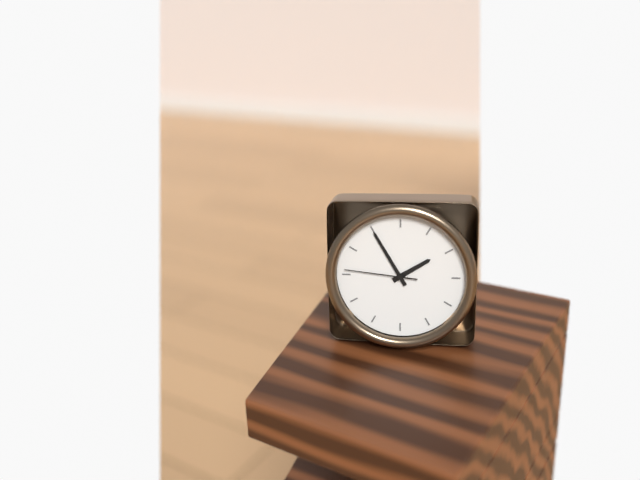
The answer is 1,55,46
